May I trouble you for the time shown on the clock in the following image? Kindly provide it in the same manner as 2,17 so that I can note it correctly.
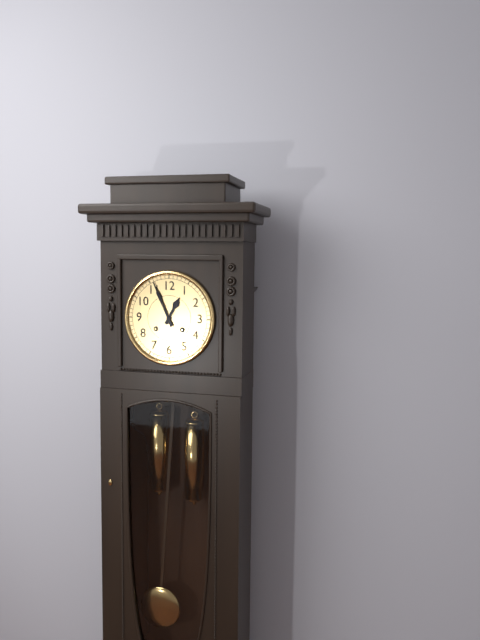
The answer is 12,56
